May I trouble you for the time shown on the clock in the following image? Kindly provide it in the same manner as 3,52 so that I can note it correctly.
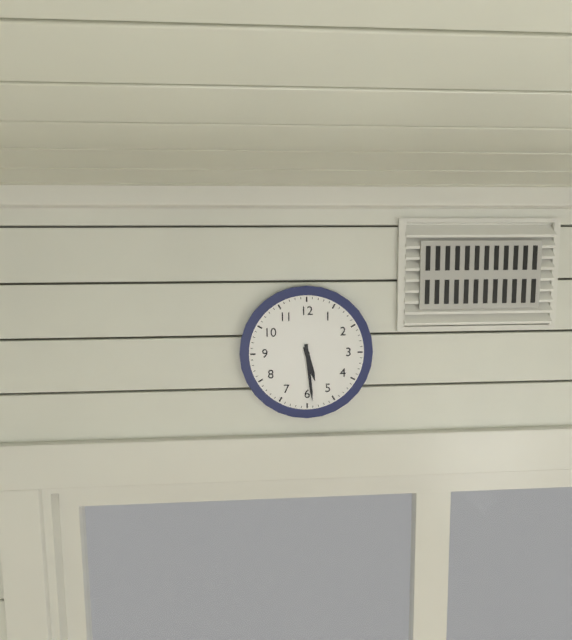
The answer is 5,29
